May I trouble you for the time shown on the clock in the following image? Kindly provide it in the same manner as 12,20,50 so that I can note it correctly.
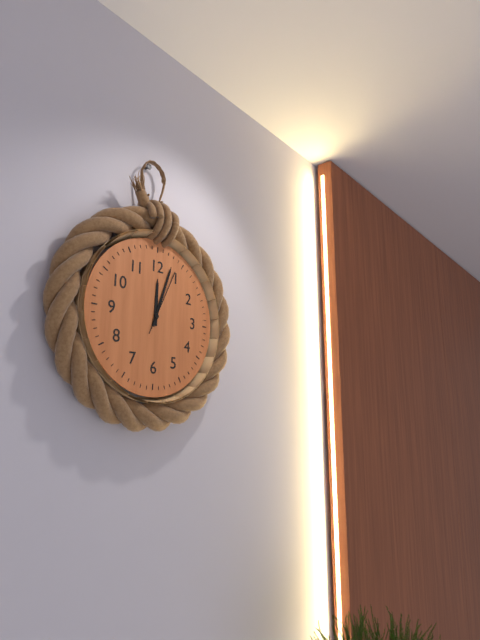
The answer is 12,03,04
